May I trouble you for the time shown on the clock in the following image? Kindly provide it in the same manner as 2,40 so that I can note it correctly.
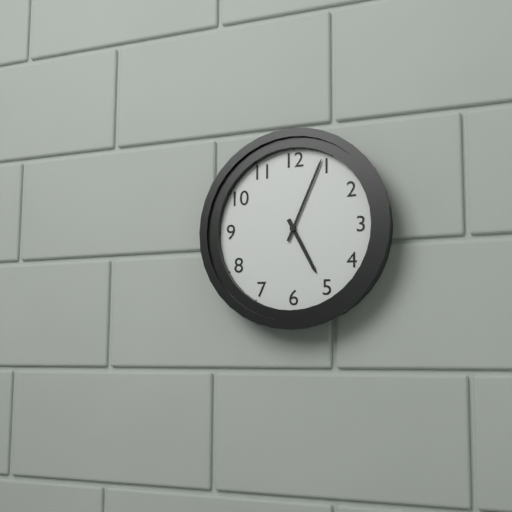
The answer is 5,04
